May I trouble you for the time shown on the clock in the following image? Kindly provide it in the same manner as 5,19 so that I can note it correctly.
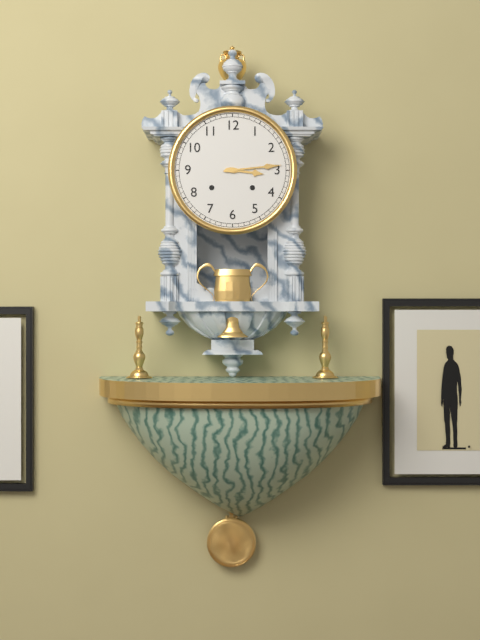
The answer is 3,14
